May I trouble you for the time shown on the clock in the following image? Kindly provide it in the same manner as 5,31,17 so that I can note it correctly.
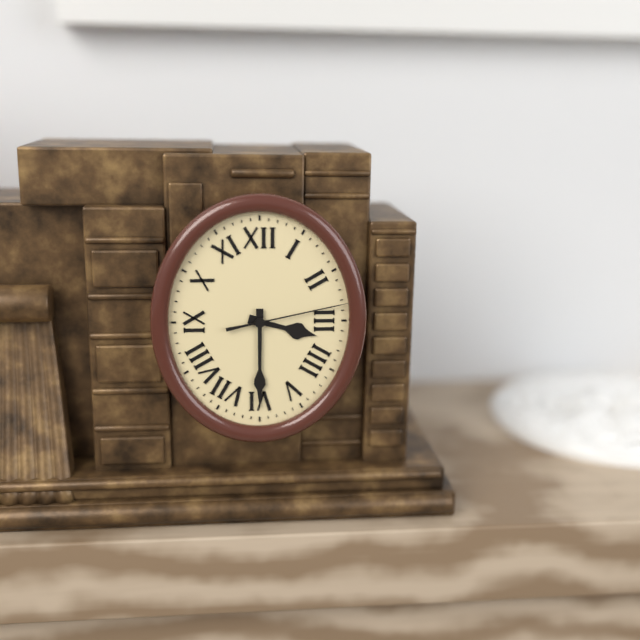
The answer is 3,30,13
